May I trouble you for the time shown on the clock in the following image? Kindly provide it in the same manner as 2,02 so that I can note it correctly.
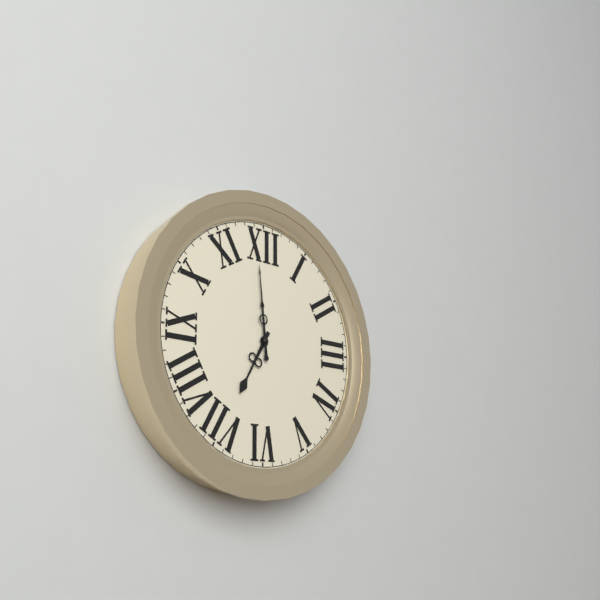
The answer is 6,59
